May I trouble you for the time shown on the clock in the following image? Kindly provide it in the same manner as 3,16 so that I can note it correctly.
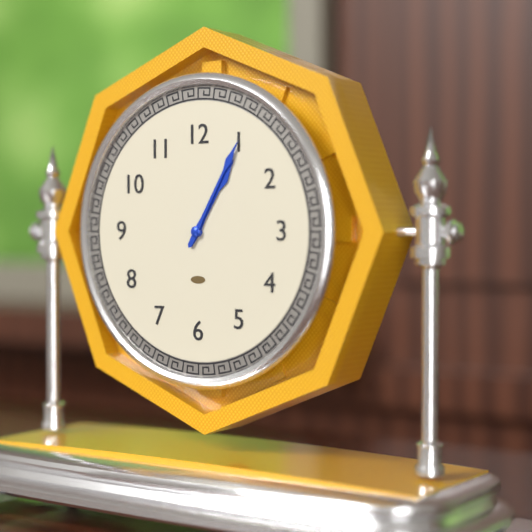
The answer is 1,05
